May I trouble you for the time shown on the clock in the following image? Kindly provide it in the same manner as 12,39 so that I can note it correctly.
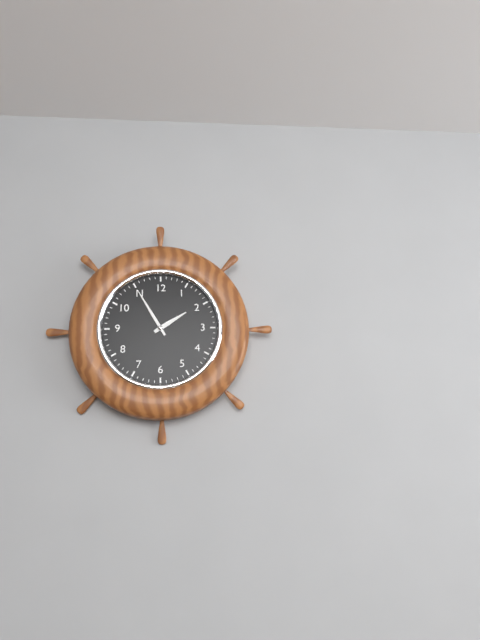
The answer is 1,55
